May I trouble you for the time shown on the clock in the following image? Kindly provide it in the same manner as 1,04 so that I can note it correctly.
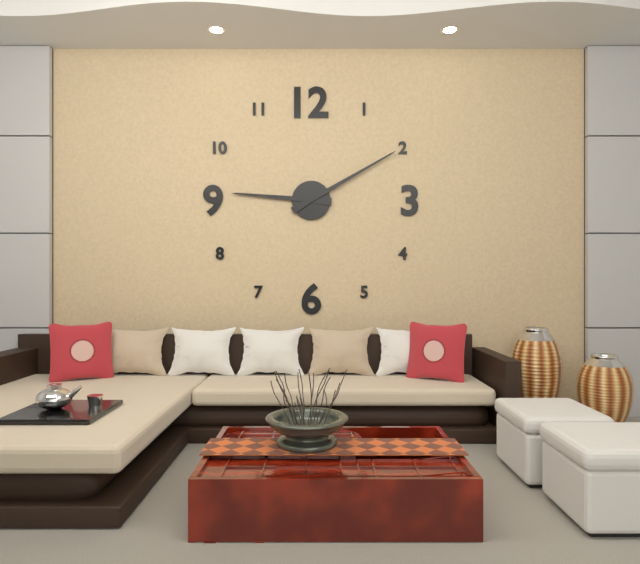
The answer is 9,10
